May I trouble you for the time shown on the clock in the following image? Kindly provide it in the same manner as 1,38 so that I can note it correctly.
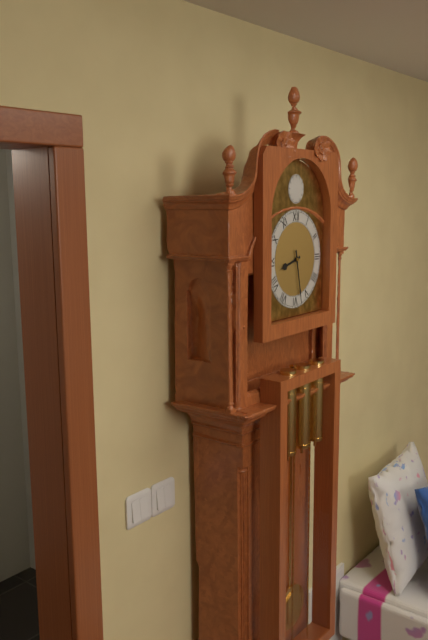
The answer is 8,28
